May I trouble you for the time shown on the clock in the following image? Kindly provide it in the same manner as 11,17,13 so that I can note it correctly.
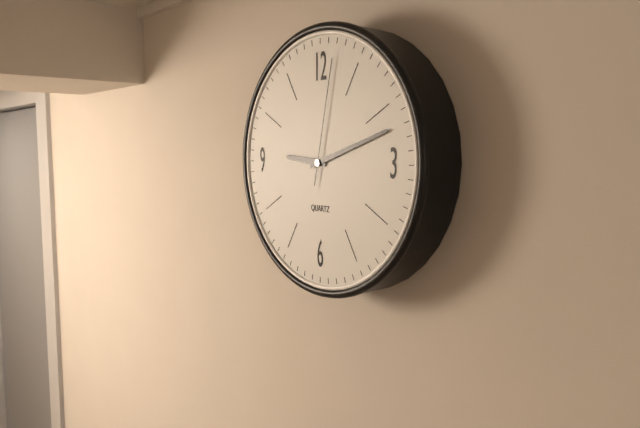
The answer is 9,12,02
